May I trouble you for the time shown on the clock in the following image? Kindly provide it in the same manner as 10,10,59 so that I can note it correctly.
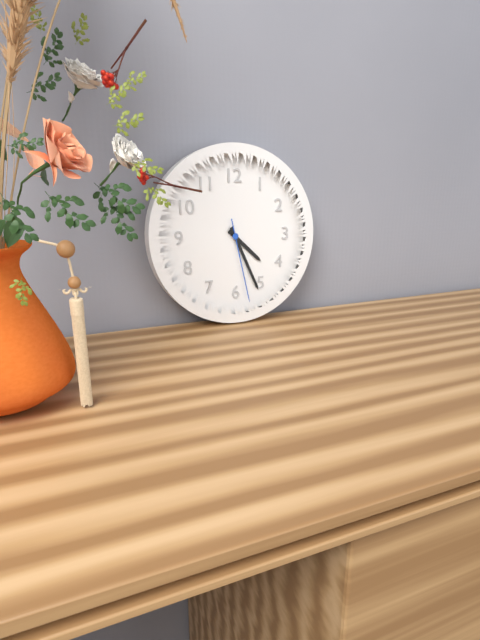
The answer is 4,26,28
